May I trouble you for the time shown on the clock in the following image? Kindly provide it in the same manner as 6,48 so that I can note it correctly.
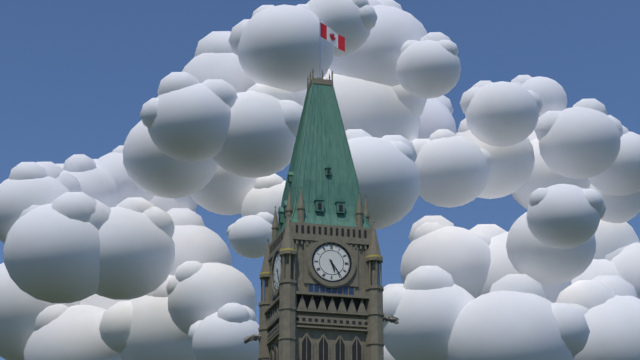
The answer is 5,24
